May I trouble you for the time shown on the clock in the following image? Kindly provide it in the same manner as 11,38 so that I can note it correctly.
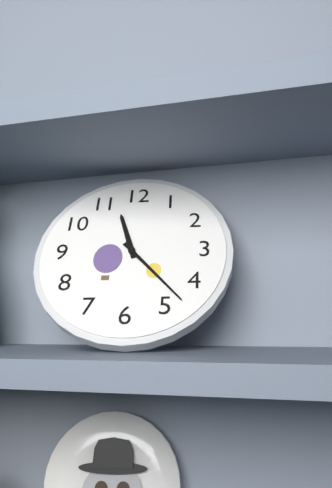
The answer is 11,23
